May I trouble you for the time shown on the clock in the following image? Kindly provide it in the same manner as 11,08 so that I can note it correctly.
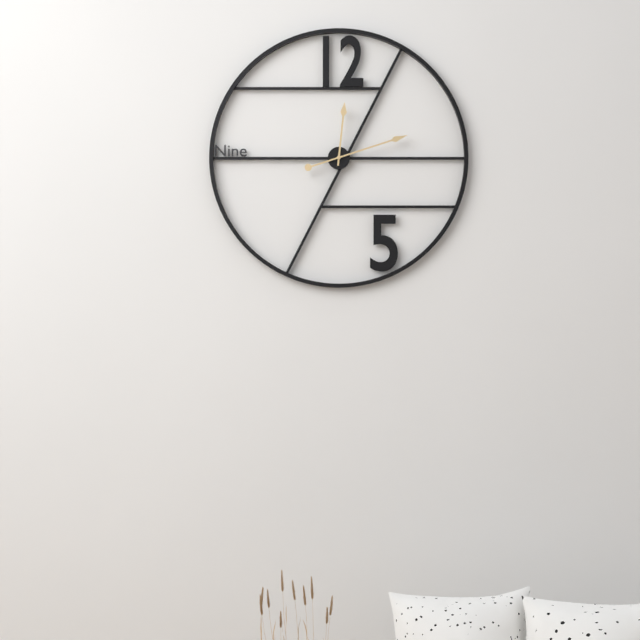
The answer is 12,12
